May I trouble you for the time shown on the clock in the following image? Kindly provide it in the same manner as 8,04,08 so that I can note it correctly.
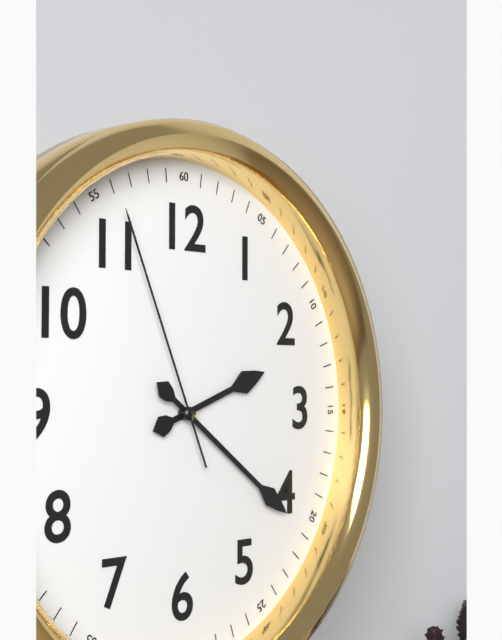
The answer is 2,21,56
